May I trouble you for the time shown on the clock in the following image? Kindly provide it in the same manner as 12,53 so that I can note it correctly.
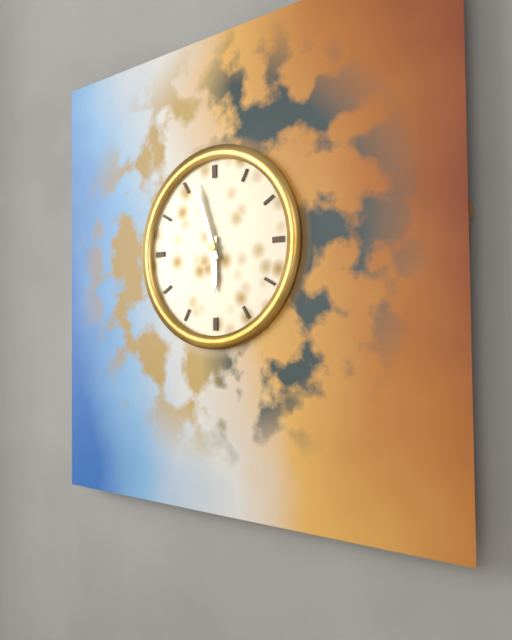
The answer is 5,57
